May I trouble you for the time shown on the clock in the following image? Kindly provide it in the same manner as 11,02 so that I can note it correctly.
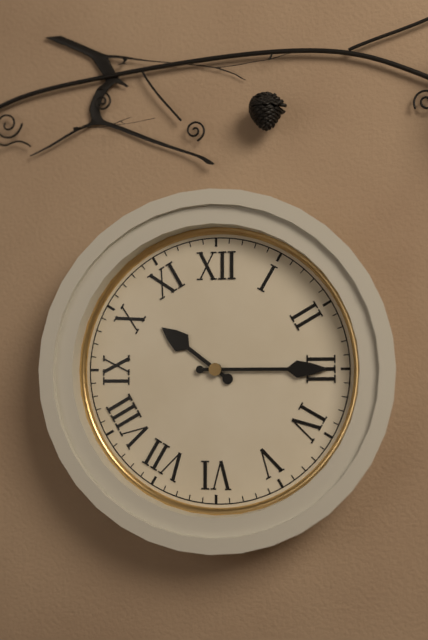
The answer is 10,15
